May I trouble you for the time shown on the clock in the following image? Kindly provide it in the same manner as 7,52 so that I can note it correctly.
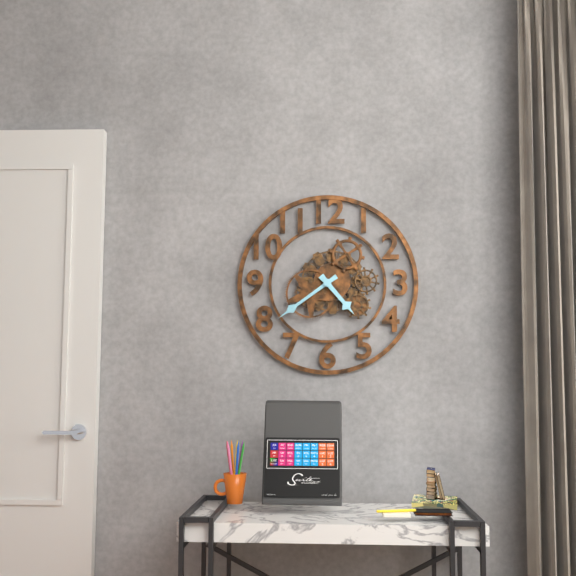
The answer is 4,39
